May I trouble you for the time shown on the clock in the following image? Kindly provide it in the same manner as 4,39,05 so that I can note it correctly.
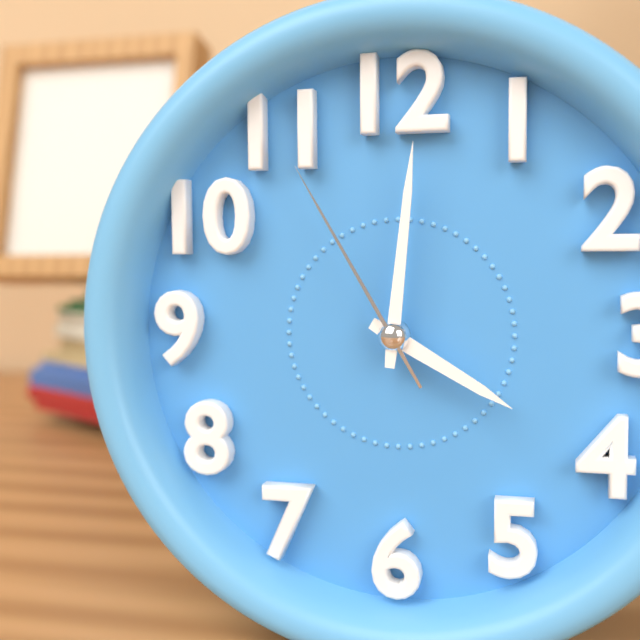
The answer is 4,01,55
